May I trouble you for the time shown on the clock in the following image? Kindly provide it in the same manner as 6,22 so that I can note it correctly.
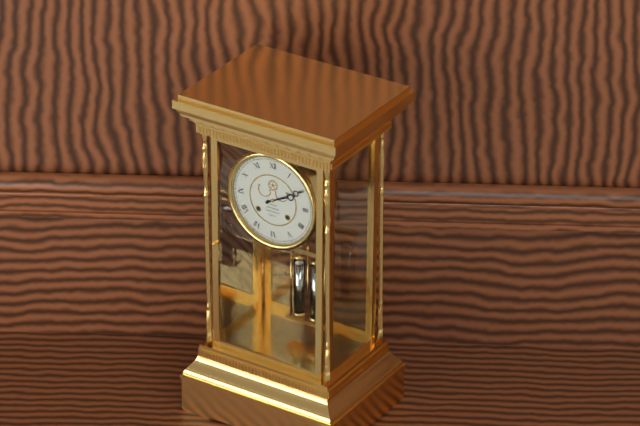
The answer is 2,10
